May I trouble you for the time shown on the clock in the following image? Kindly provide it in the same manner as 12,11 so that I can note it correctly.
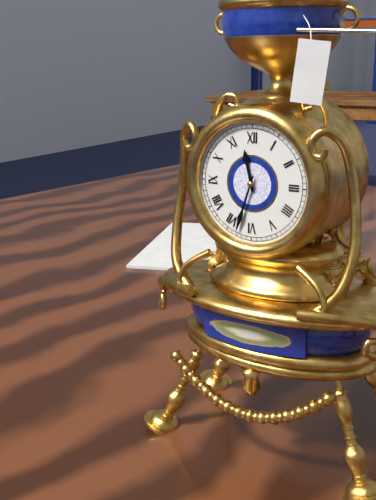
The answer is 11,33
